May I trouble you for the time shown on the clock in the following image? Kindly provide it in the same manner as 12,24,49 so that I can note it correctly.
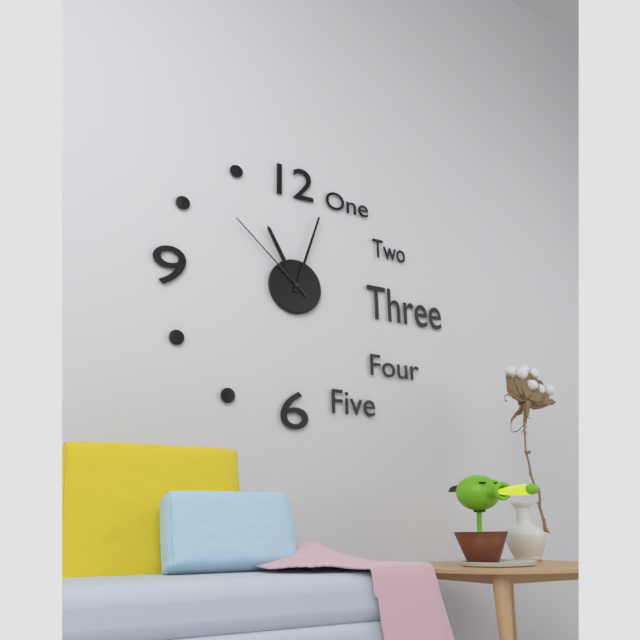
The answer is 11,03,52
